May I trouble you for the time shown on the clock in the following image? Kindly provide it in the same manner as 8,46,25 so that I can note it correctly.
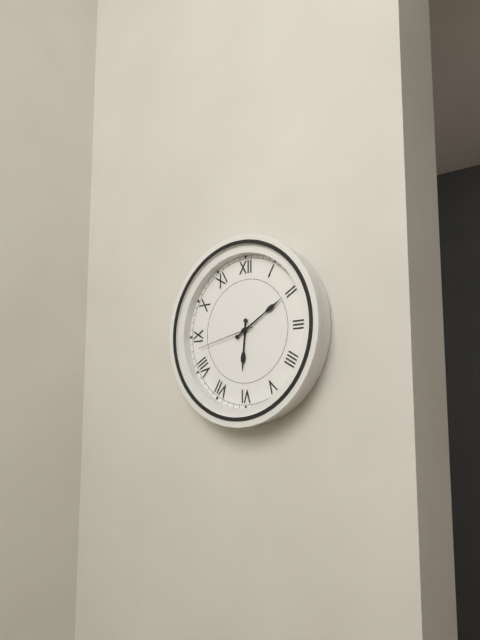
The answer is 6,10,43
